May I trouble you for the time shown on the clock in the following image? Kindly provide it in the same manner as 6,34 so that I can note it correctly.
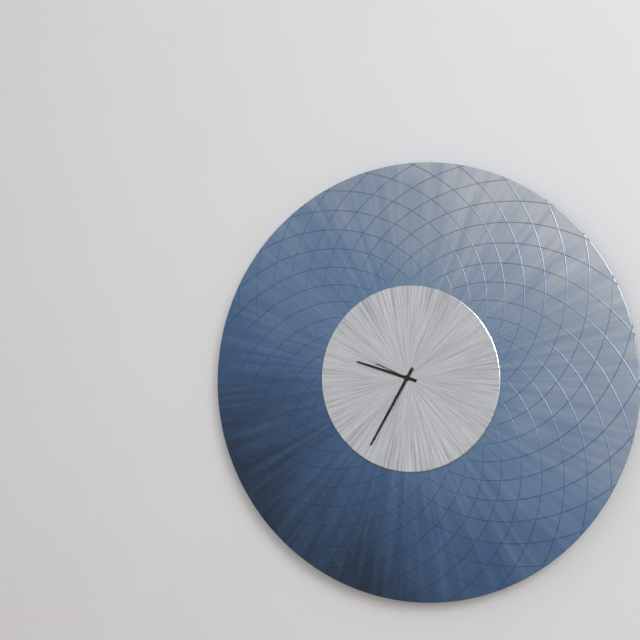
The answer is 9,35
